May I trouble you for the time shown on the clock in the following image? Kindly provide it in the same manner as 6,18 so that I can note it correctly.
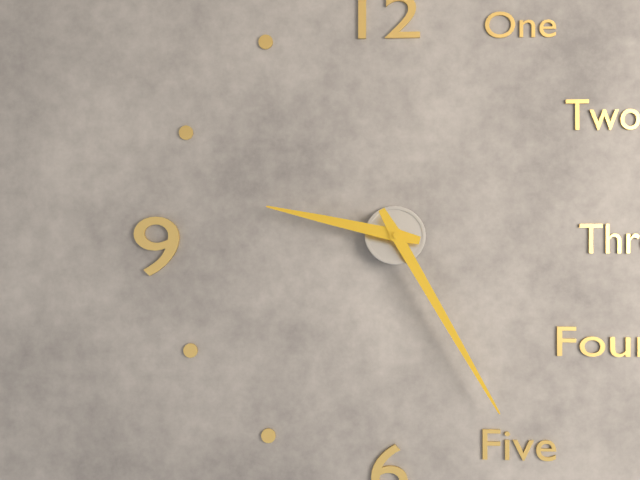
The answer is 9,25
